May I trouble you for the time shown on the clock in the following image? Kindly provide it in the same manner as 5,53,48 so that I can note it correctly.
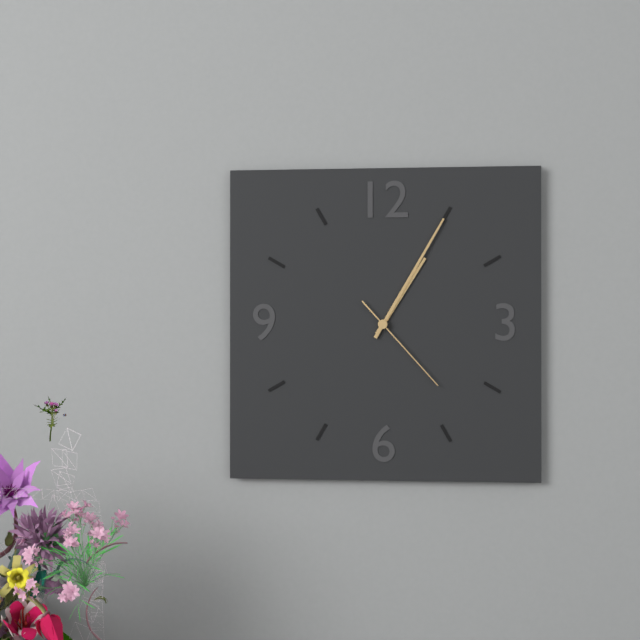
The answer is 1,05,23
